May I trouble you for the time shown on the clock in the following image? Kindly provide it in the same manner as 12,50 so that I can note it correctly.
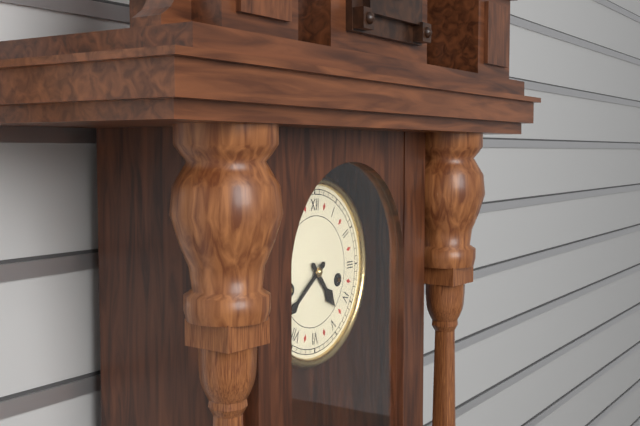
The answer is 4,39
